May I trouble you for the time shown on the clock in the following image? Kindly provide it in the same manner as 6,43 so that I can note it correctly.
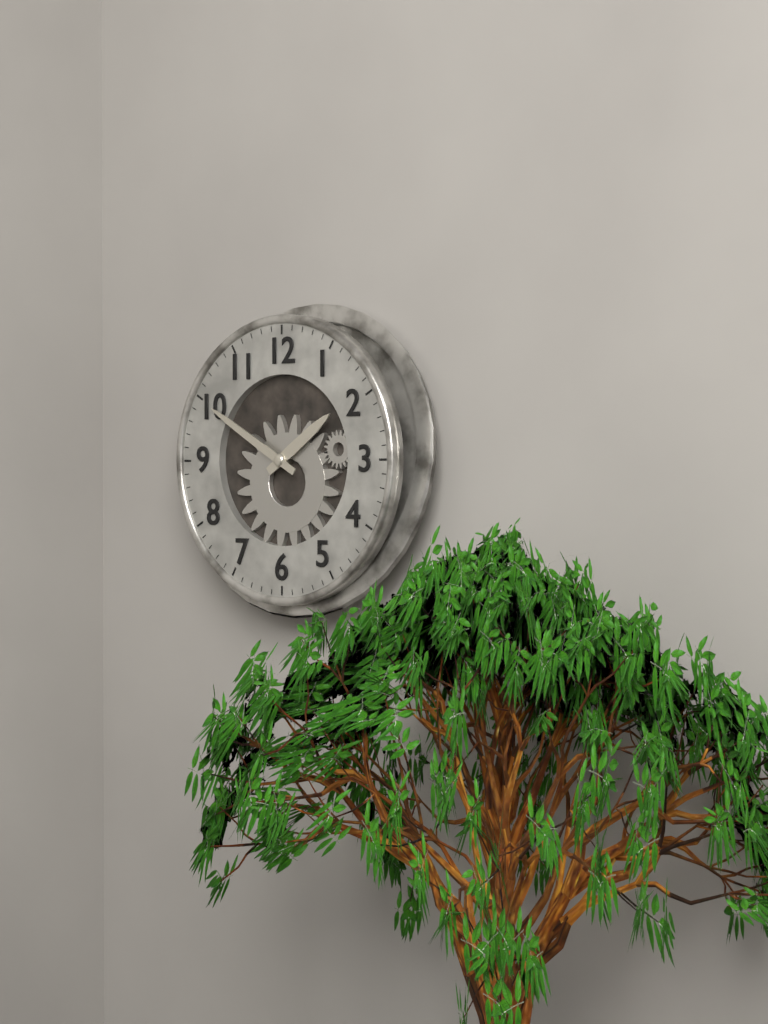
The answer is 1,50
